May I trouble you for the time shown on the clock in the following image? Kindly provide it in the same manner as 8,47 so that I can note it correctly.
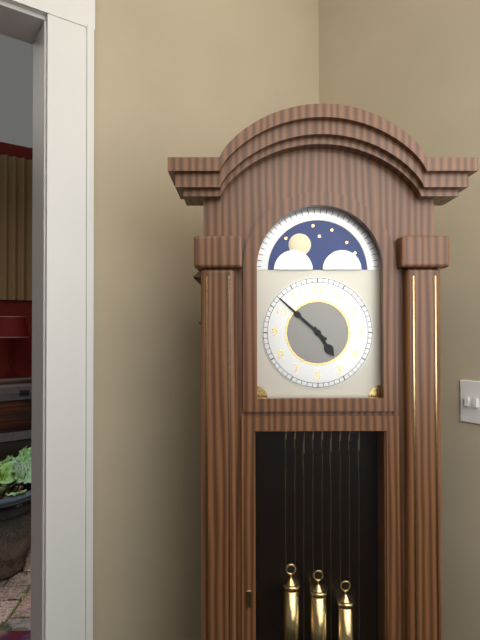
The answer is 4,52
